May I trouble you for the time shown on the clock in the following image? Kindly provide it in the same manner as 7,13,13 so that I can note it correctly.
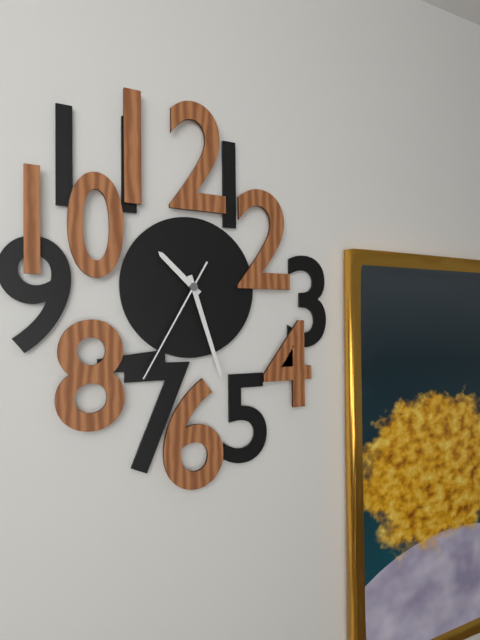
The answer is 10,27,35
